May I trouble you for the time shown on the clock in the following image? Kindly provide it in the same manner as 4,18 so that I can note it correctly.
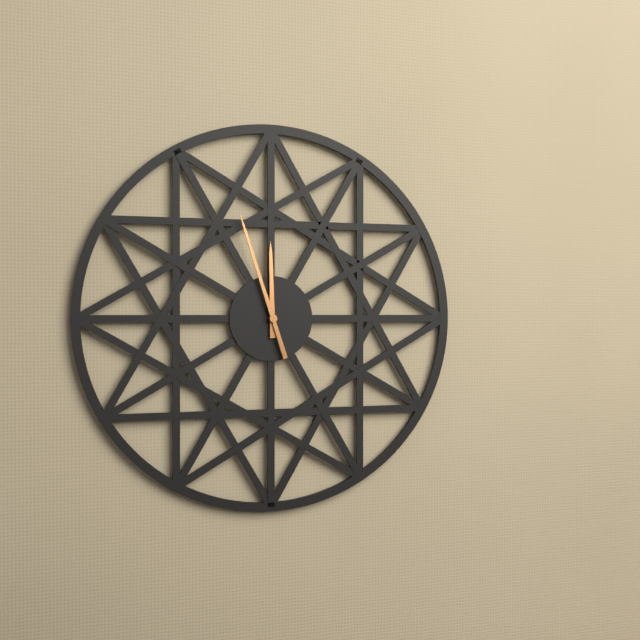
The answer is 11,57
